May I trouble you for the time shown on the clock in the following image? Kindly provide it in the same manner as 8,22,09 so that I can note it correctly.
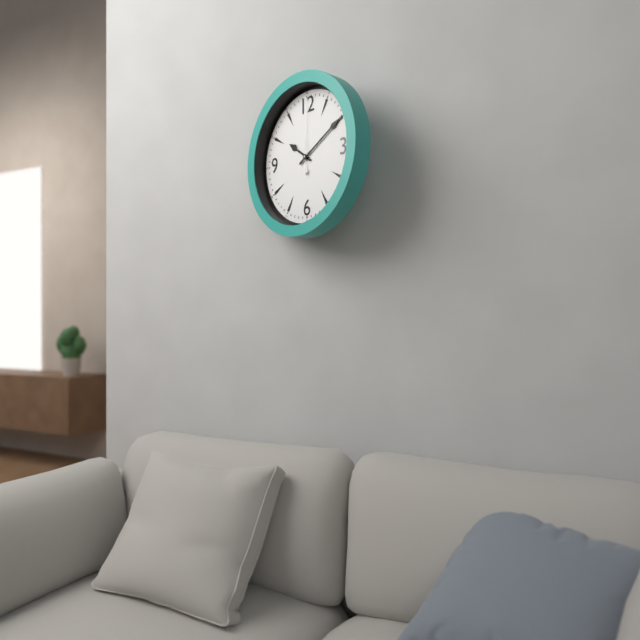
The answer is 10,10,00
